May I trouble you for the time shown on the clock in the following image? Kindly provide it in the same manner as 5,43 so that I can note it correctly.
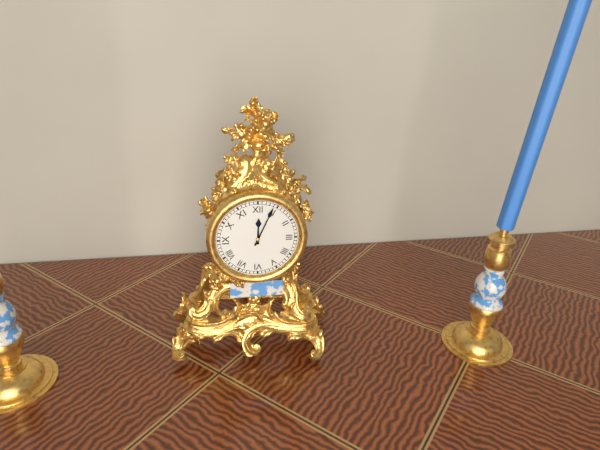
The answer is 12,04
